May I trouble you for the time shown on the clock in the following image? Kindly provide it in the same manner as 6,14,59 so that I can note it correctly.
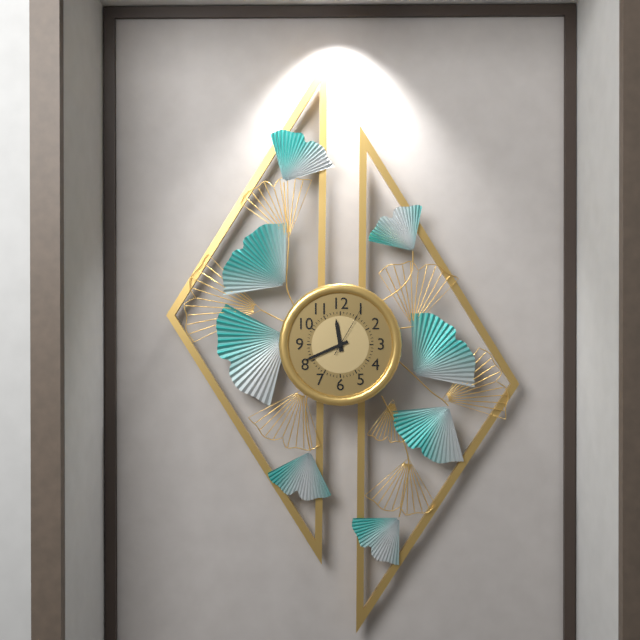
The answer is 11,41,05
